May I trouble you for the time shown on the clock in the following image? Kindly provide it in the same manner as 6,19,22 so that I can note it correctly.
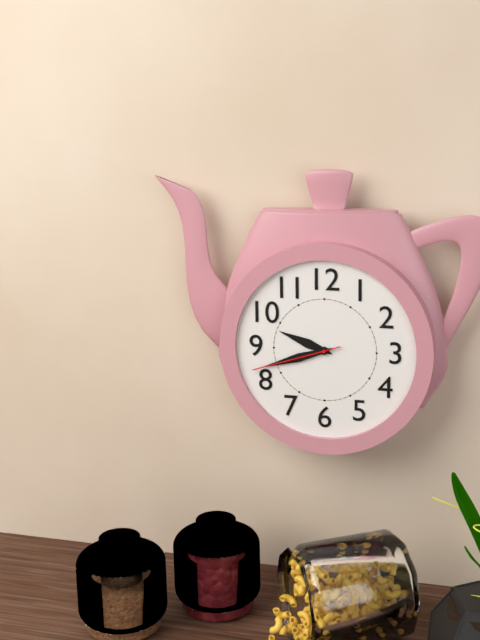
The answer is 9,42,42
